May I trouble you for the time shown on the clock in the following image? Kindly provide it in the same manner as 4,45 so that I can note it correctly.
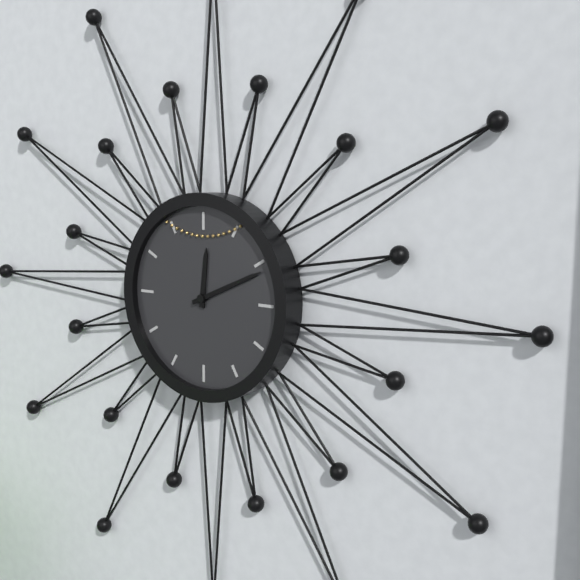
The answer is 12,11
